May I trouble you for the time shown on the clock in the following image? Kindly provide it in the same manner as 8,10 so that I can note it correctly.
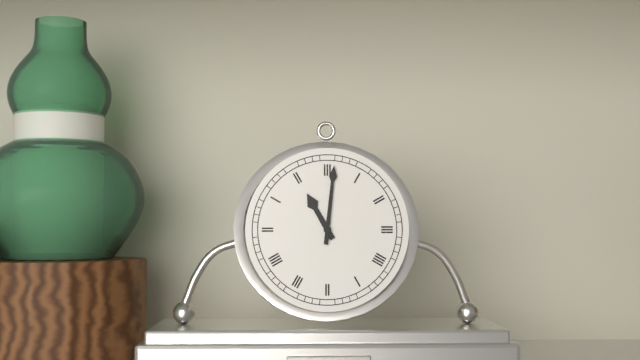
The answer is 11,01
